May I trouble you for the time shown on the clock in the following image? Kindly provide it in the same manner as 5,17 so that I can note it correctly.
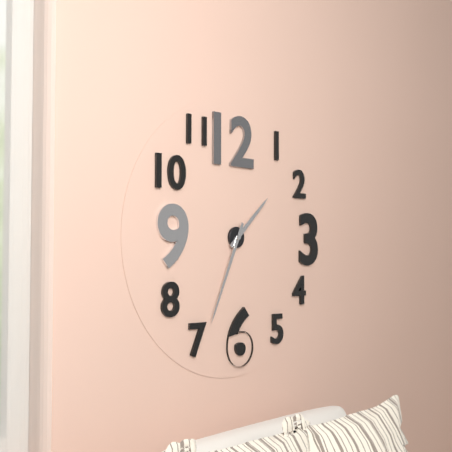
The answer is 1,34
